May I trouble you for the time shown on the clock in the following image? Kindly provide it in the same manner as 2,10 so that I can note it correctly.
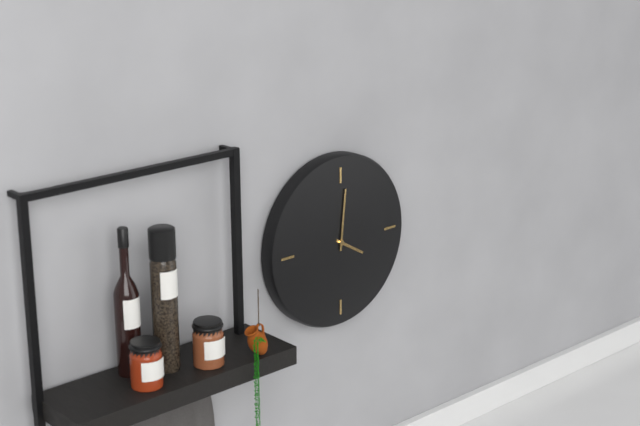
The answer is 4,01
